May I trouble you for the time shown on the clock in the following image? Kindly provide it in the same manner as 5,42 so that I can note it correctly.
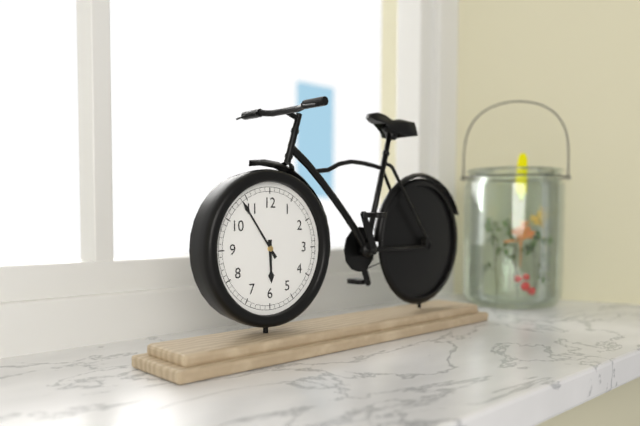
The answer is 5,54
